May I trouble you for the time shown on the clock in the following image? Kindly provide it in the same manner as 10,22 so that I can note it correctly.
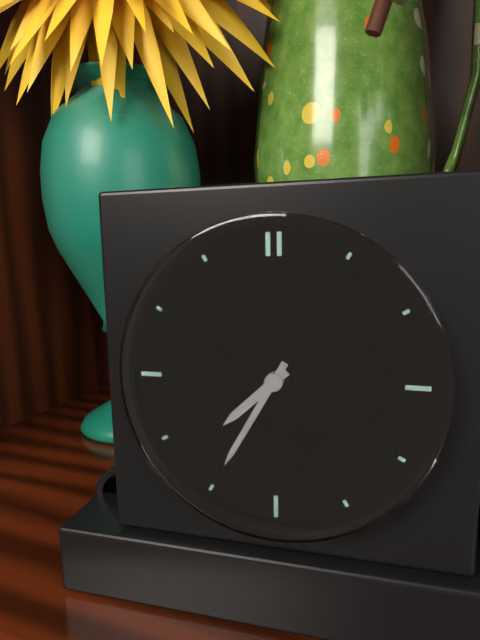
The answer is 7,35
